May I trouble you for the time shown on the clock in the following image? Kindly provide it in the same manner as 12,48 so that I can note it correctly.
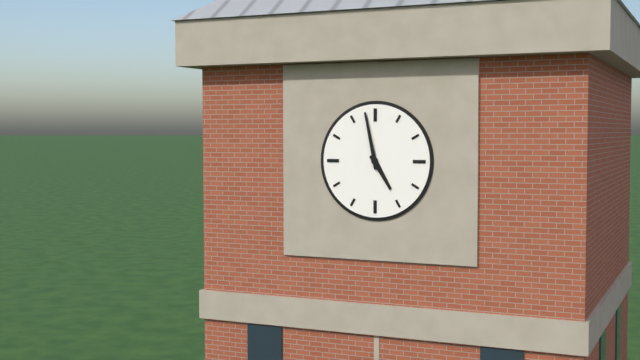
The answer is 4,58
